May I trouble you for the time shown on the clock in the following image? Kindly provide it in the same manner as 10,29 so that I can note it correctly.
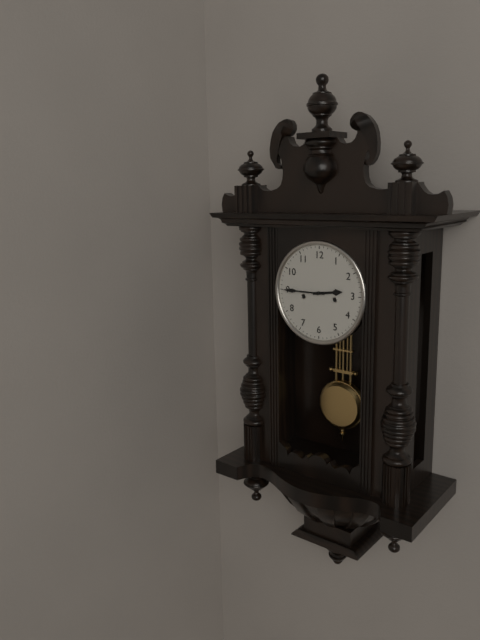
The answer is 2,45
